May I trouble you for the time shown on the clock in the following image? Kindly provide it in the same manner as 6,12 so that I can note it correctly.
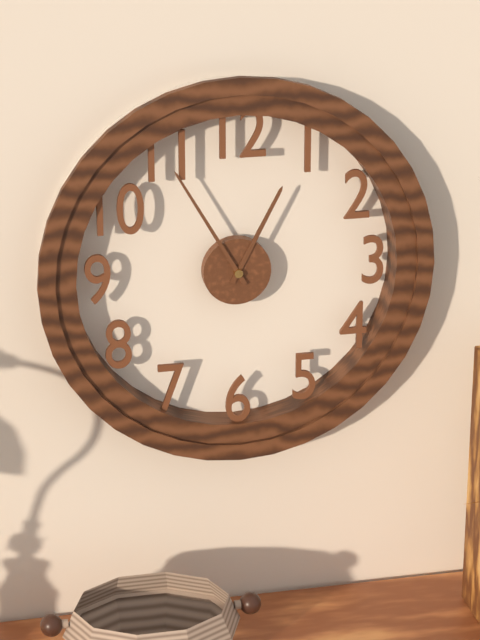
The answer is 12,55
